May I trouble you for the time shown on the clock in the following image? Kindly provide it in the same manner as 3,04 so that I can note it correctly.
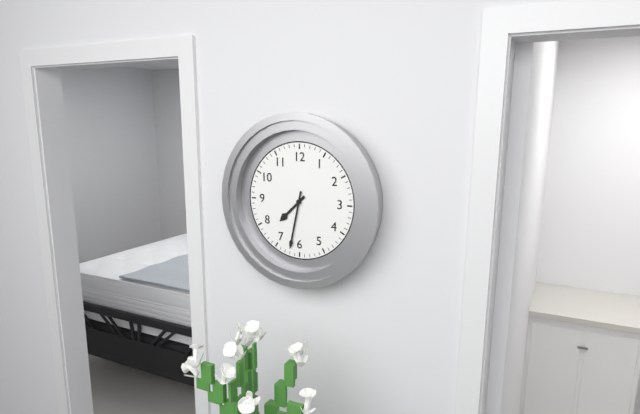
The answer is 7,32
